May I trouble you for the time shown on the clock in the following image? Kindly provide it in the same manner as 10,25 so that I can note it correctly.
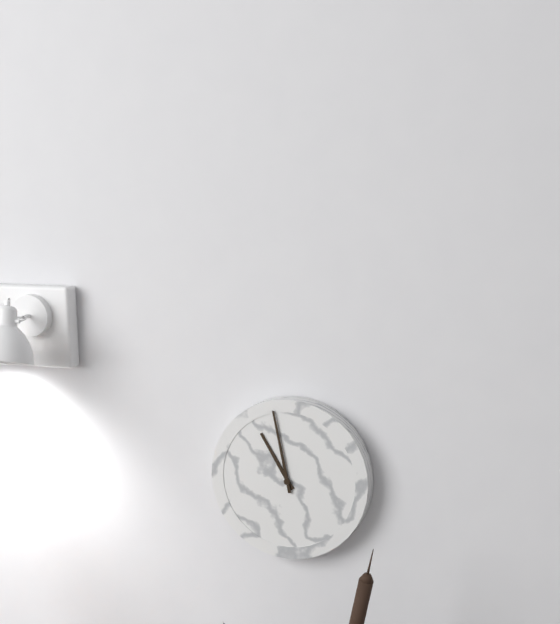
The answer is 10,58
